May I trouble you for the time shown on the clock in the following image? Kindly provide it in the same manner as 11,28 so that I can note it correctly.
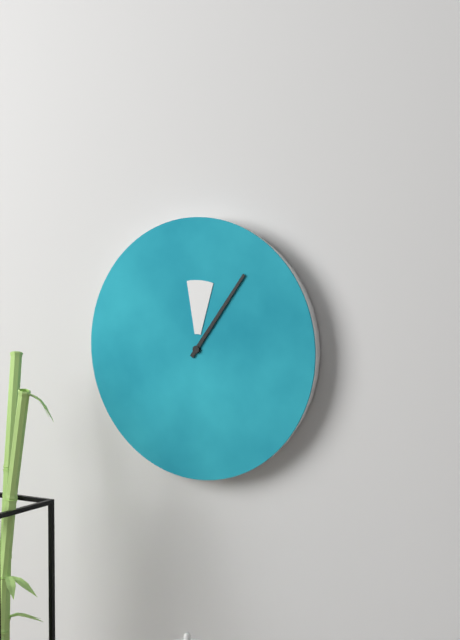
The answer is 12,06
